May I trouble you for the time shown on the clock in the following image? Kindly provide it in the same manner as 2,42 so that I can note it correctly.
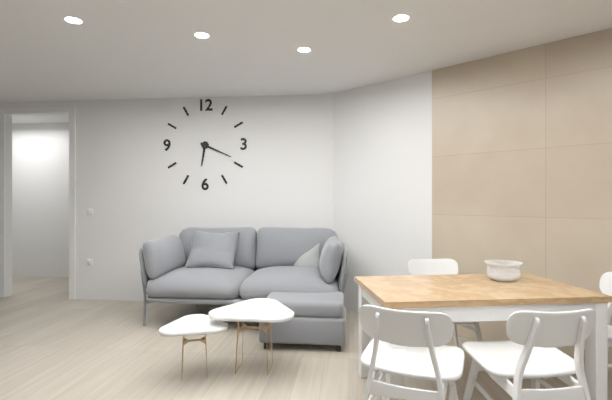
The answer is 6,19
